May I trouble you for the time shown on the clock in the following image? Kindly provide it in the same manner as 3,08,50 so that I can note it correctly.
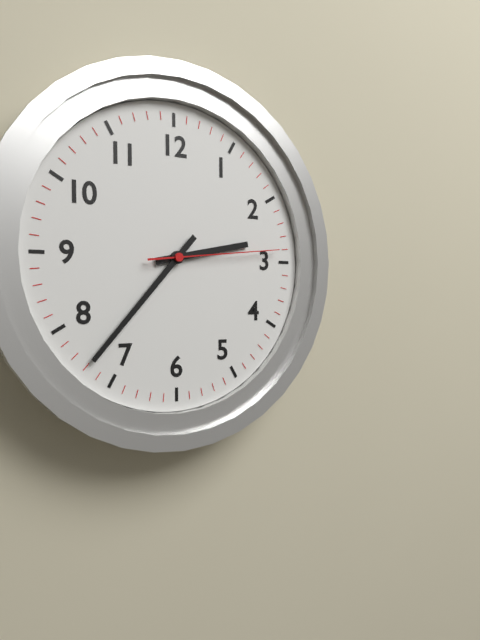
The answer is 2,37,14
